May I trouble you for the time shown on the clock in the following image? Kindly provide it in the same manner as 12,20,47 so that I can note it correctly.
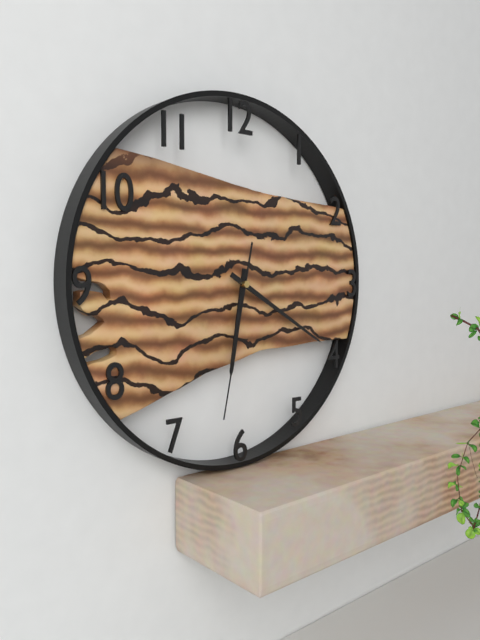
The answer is 6,20,32
